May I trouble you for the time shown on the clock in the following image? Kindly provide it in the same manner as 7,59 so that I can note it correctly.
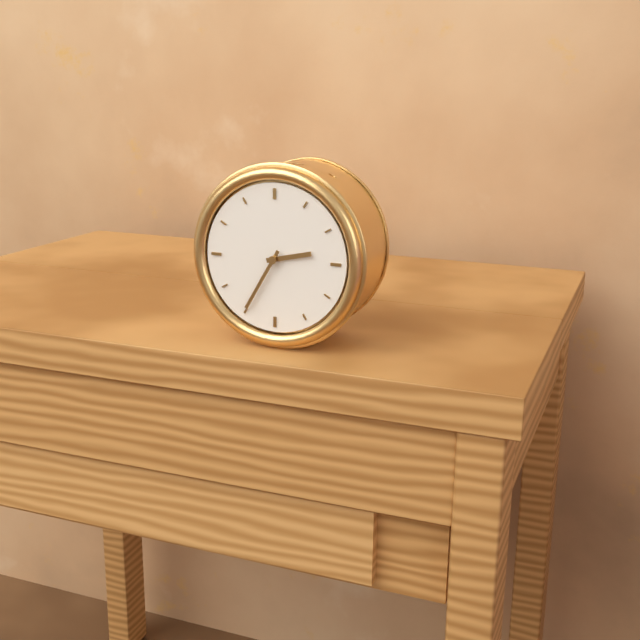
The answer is 2,35
